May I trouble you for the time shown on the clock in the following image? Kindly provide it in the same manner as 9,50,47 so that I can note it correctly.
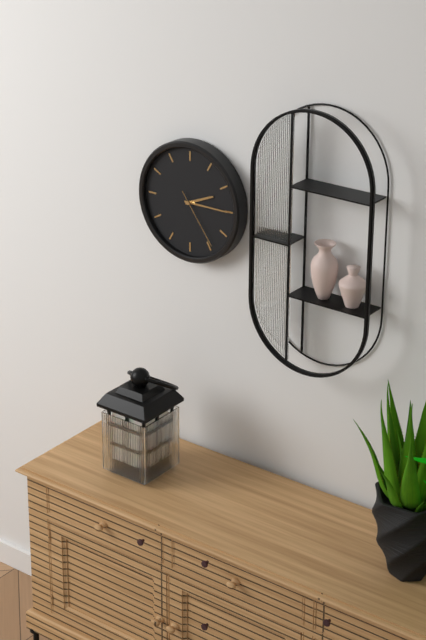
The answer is 2,15,24
